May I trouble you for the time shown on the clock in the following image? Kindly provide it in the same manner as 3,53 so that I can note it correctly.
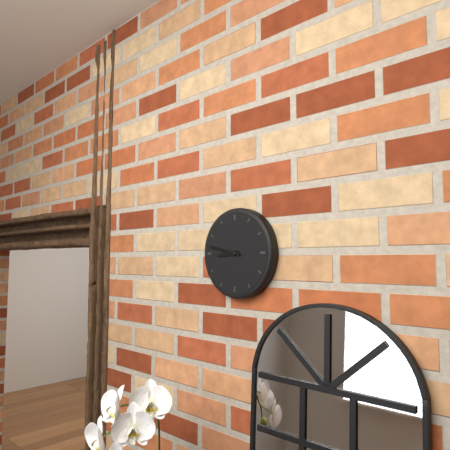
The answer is 8,47
